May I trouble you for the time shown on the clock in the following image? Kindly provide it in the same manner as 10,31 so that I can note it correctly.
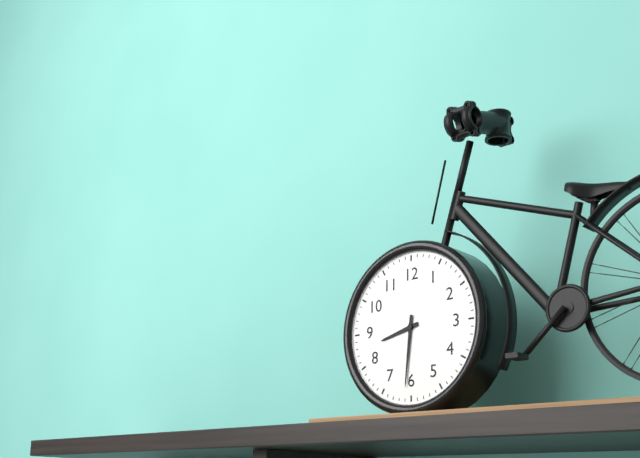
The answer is 8,31
